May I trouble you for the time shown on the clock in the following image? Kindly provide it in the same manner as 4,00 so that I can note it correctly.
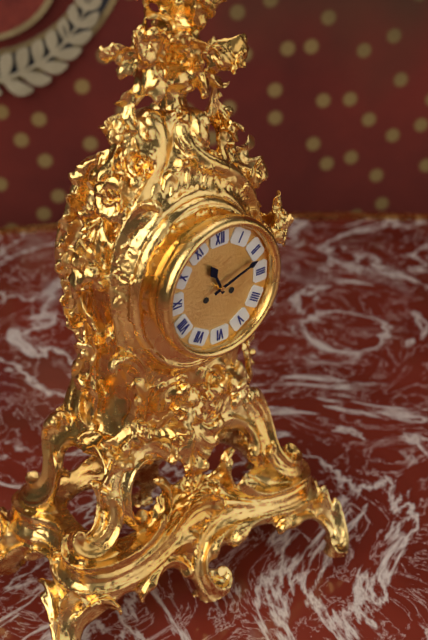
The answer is 11,12
